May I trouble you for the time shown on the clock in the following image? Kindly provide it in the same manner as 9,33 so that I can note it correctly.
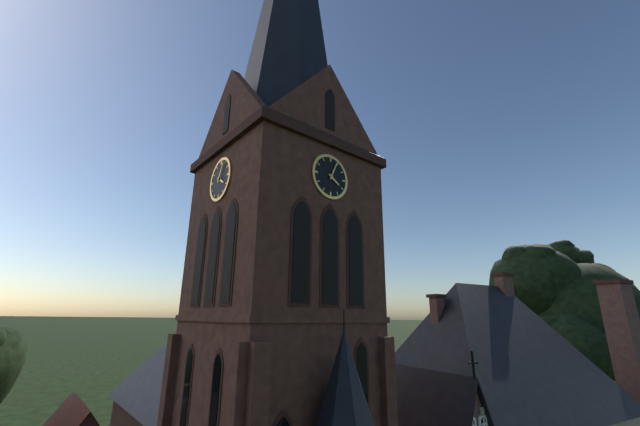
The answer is 4,04
